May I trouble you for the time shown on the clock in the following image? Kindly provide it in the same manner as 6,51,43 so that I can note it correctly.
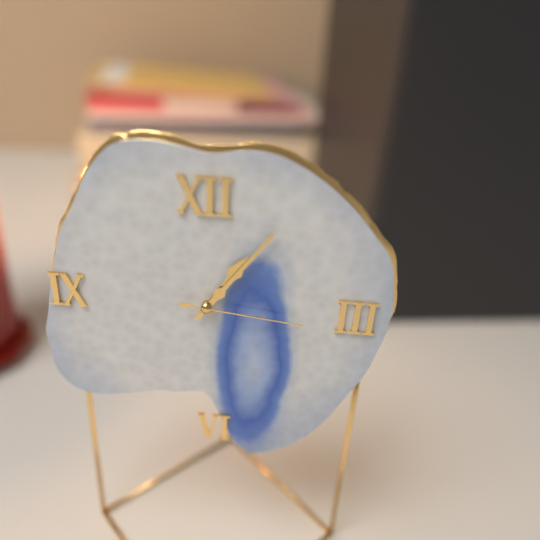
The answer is 1,06,16
